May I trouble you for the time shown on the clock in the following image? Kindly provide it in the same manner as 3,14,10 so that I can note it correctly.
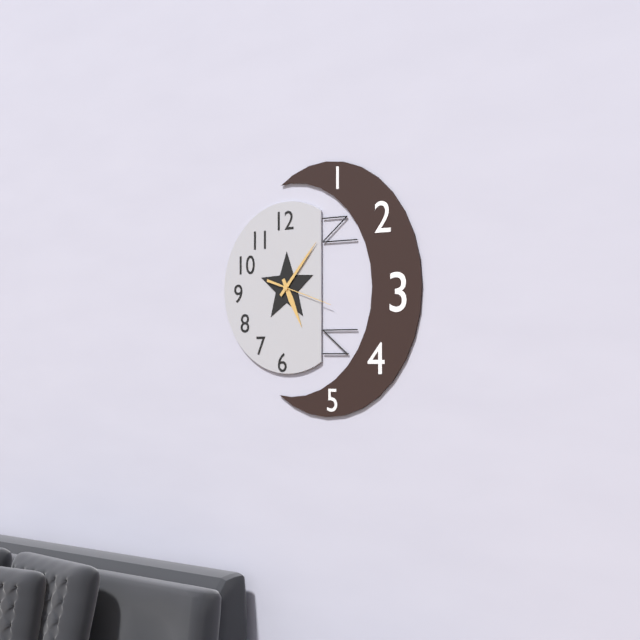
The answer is 5,07,18
